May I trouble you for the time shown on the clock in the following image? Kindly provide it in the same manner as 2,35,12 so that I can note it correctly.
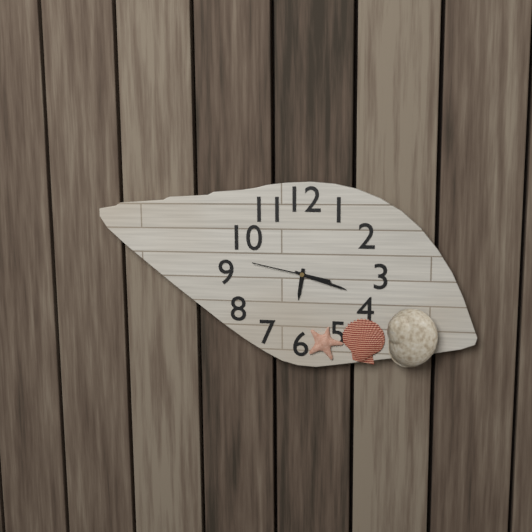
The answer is 6,18,47
